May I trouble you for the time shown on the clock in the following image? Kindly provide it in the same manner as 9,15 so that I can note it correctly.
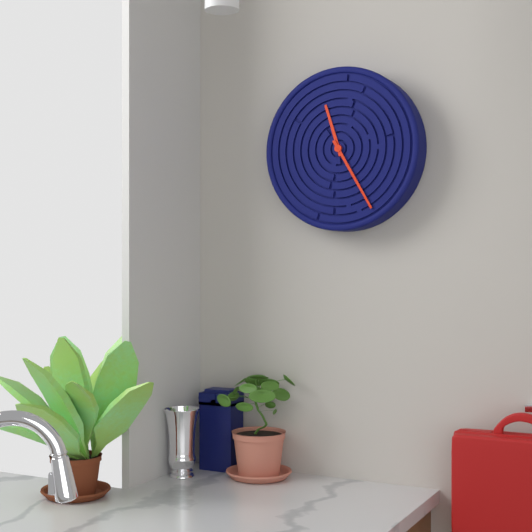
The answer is 11,25
